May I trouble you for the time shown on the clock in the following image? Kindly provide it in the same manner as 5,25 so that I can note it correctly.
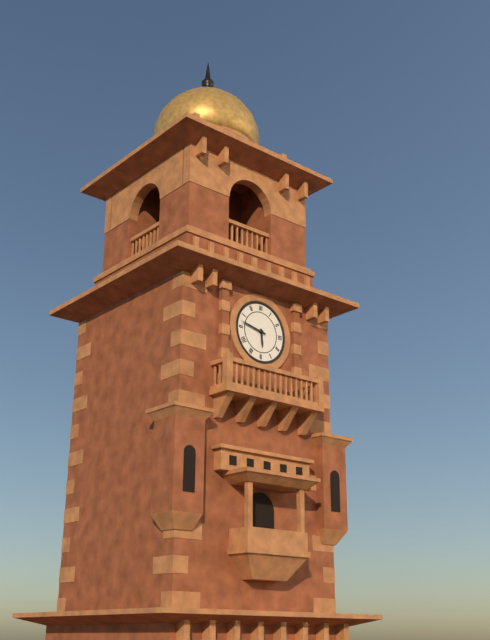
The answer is 5,47
